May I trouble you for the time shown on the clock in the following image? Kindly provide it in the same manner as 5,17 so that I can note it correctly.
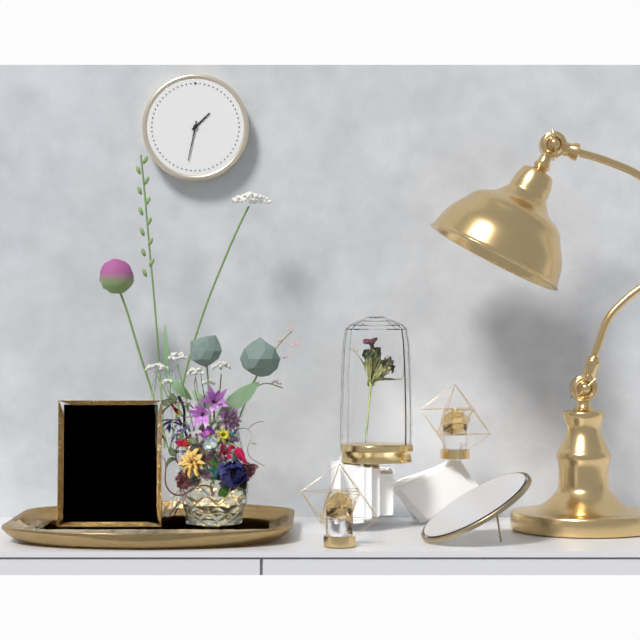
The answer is 1,32
